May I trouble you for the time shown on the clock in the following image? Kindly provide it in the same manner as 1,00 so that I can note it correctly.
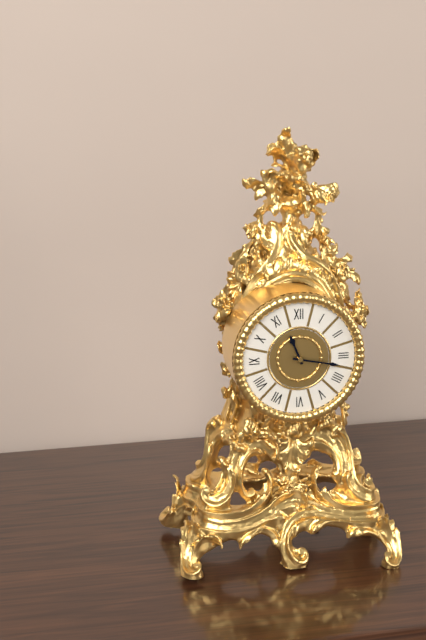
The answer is 11,17
